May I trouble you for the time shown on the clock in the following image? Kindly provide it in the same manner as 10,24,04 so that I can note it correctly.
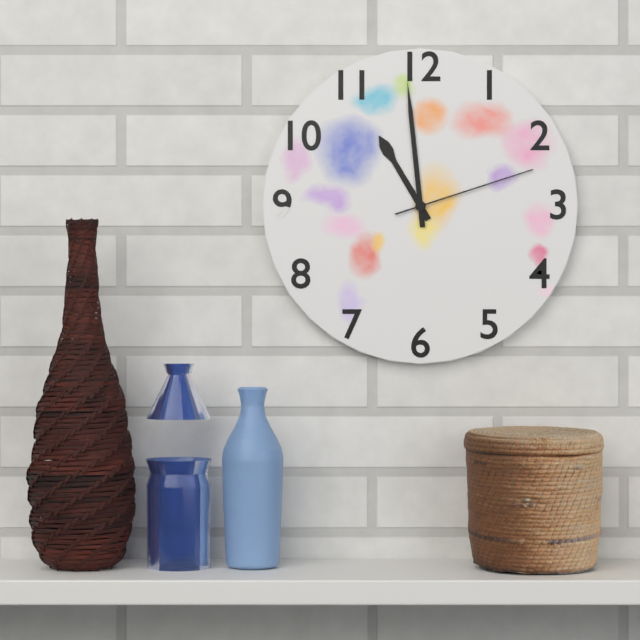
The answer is 10,59,12
